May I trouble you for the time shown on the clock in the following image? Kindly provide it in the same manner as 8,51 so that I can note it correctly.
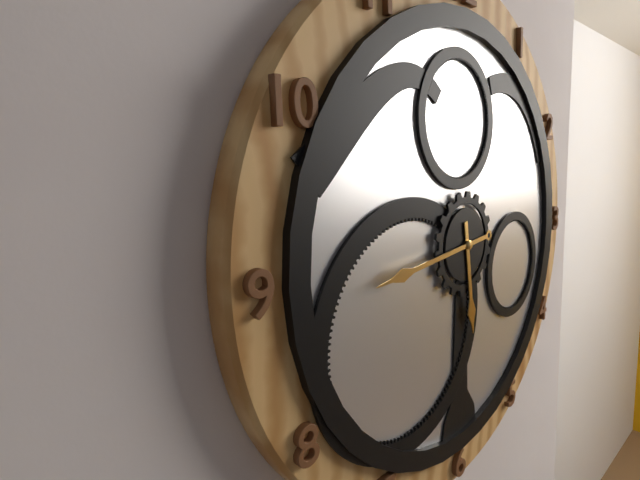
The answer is 5,44
